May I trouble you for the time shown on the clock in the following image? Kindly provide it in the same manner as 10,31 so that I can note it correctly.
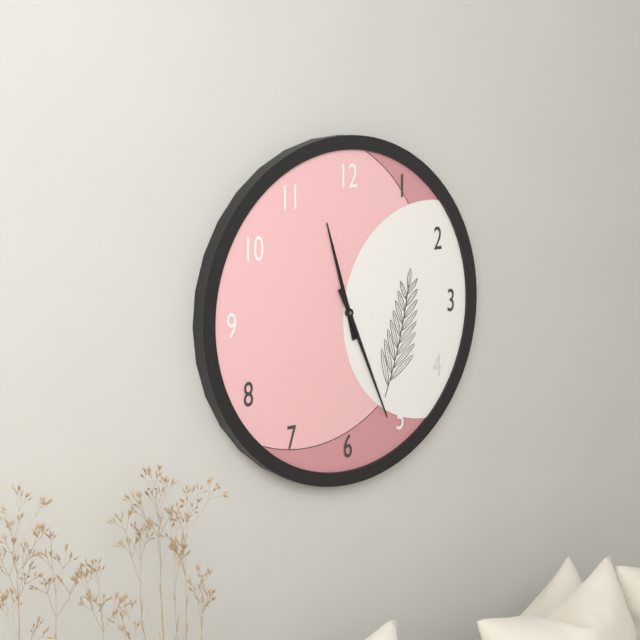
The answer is 11,26
